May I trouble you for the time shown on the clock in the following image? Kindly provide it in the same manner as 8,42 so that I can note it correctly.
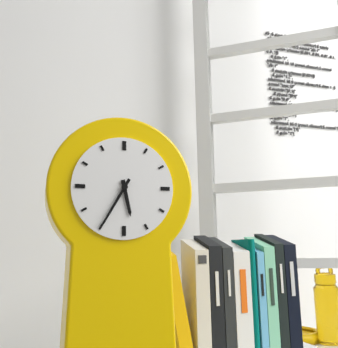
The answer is 5,35
